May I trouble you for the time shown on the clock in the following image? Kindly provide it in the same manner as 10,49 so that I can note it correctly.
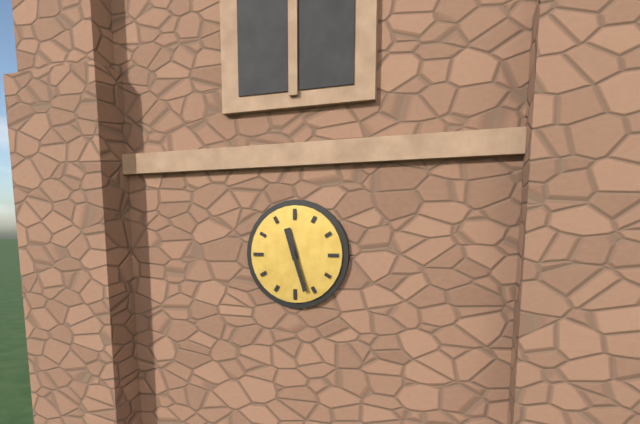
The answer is 11,27
